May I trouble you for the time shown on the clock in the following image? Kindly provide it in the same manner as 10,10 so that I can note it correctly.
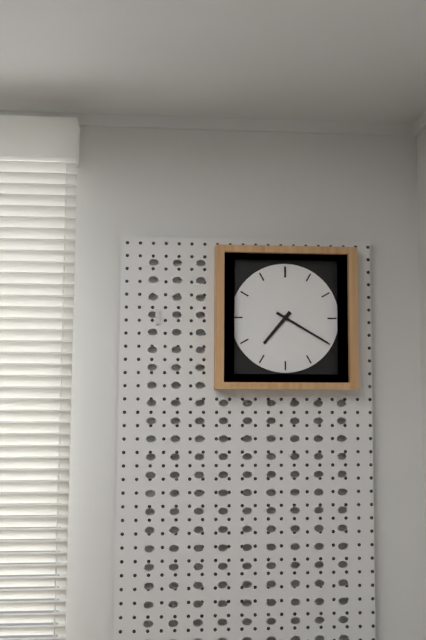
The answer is 7,20
